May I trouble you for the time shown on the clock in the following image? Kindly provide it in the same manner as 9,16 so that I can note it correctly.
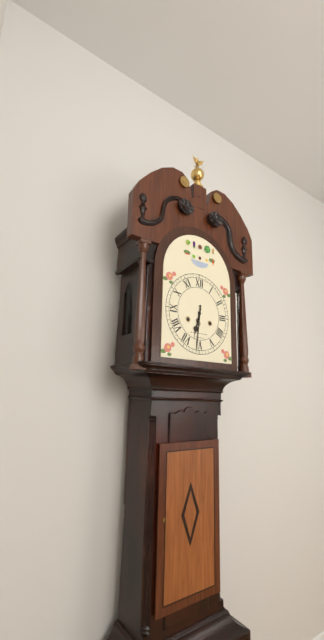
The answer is 6,31
